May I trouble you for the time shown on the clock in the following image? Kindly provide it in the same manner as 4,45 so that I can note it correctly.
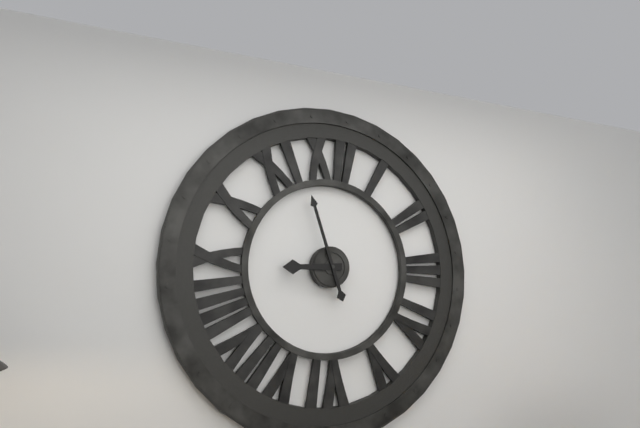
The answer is 8,57
